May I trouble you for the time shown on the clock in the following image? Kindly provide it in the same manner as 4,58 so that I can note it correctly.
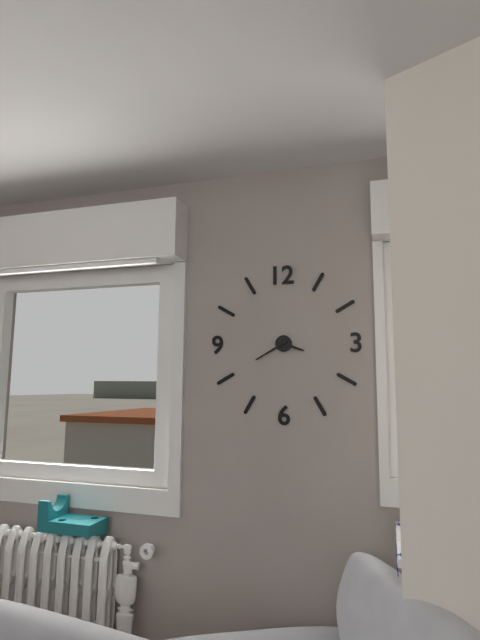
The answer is 3,40
